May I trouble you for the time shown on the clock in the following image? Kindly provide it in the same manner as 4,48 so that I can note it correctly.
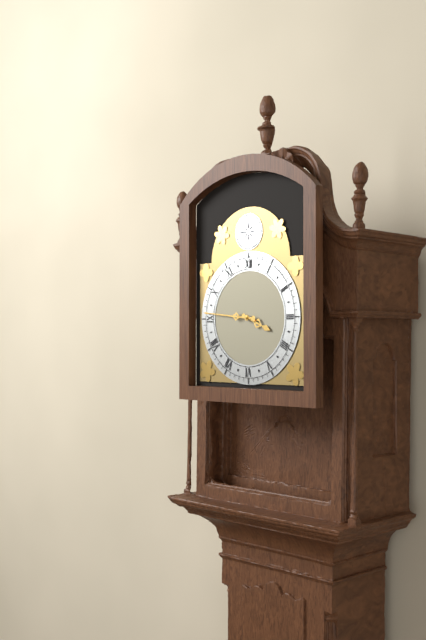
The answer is 3,46
